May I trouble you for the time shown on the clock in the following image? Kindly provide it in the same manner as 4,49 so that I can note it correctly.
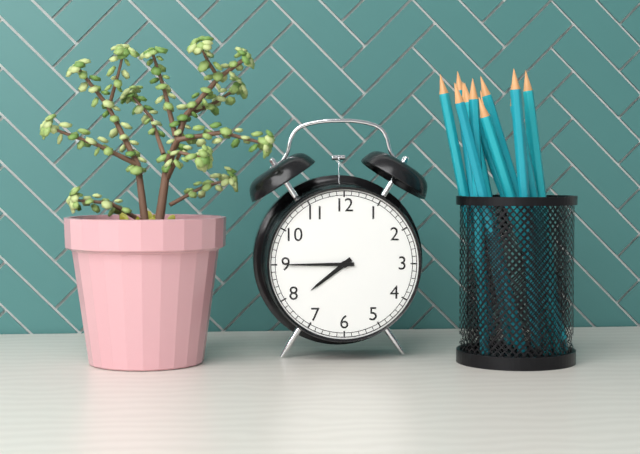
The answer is 7,45
